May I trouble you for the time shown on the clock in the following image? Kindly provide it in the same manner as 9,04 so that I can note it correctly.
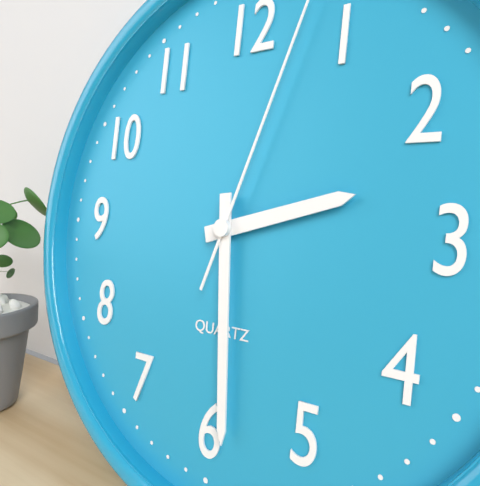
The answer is 2,29
